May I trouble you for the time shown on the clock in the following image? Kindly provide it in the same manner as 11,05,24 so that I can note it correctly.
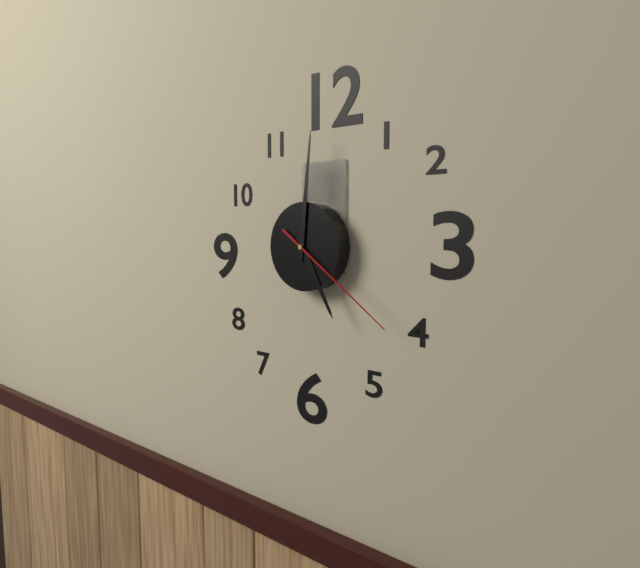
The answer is 5,01,21
